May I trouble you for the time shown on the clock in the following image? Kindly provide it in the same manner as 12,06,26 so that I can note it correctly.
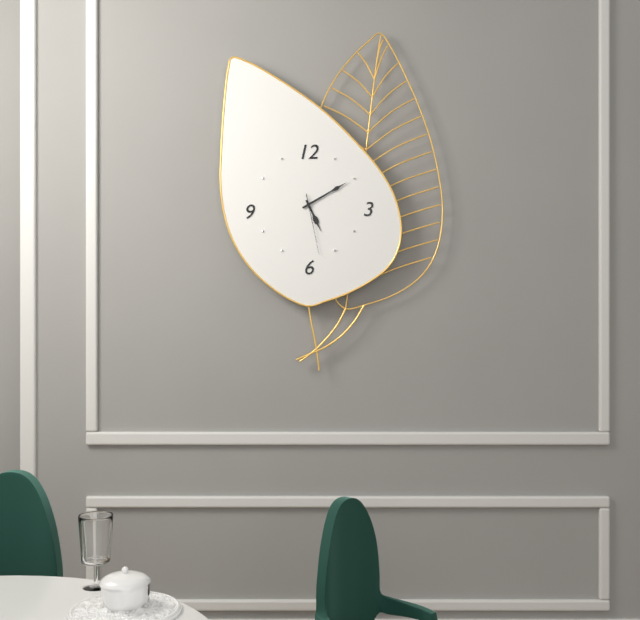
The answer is 5,10,28
